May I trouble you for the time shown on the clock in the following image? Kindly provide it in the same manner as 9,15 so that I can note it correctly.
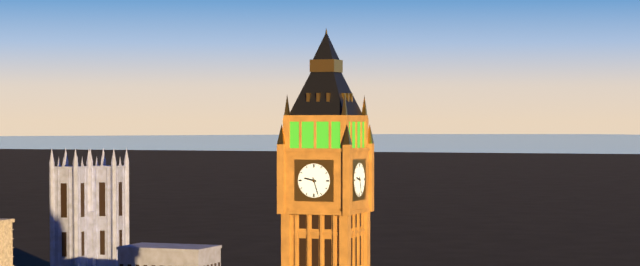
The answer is 9,27
